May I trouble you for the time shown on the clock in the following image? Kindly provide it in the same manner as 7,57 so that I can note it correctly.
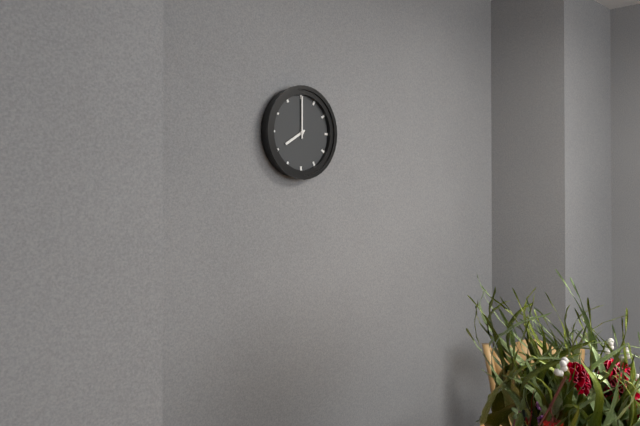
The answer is 8,00
